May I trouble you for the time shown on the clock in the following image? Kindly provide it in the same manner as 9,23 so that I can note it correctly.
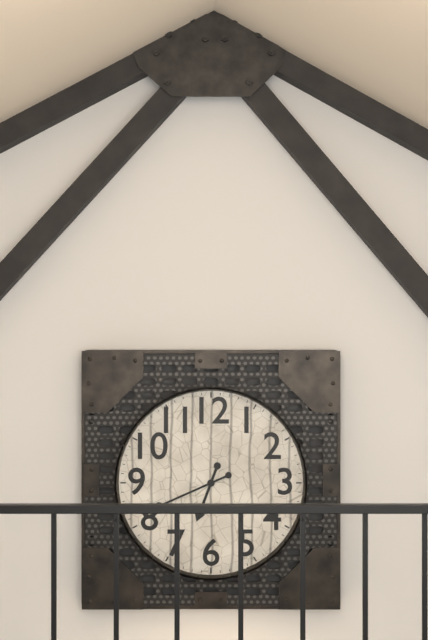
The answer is 6,41
